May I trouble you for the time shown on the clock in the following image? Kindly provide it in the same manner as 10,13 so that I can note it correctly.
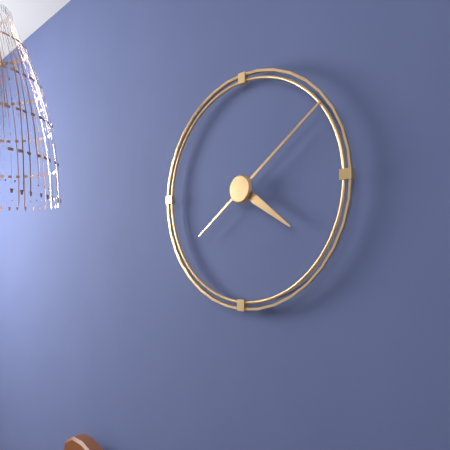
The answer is 4,09
